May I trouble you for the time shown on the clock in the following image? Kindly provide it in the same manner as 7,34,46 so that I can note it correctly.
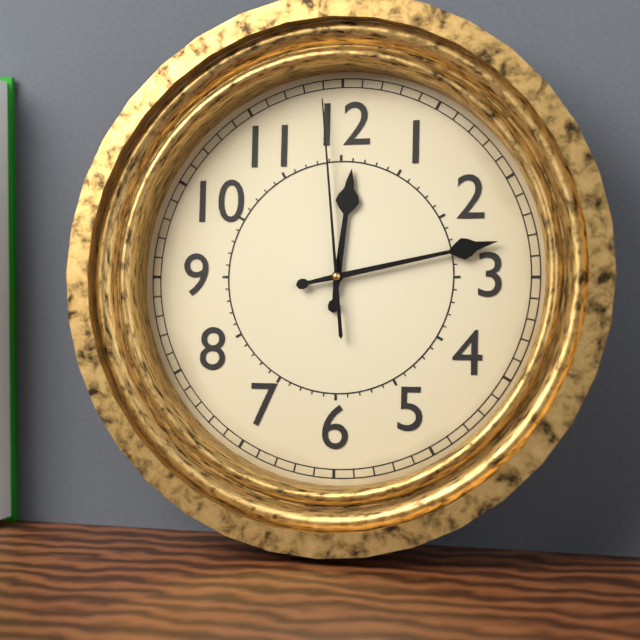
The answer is 12,13,59
